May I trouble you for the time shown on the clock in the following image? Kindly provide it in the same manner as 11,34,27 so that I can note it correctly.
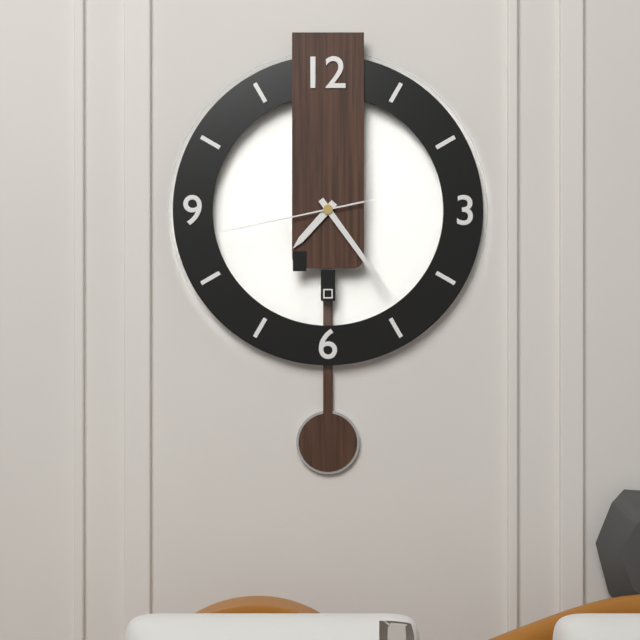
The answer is 7,24,43
